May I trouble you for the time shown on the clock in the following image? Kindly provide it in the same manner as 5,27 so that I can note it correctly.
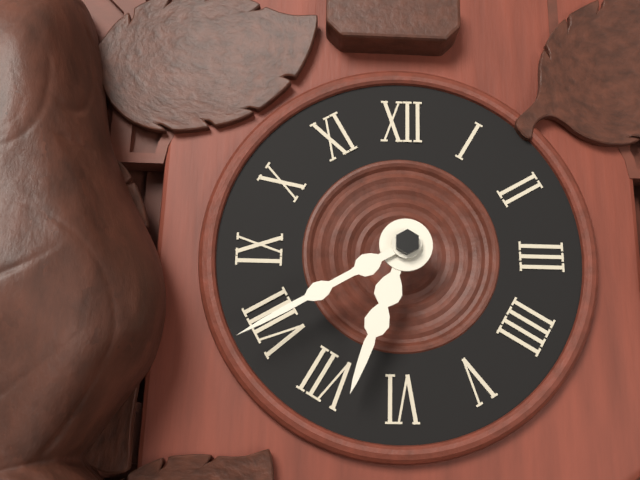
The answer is 6,40
